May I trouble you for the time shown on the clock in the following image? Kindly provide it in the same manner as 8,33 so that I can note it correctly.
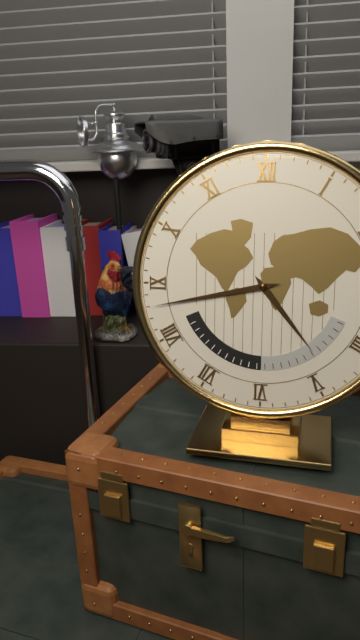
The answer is 4,43
